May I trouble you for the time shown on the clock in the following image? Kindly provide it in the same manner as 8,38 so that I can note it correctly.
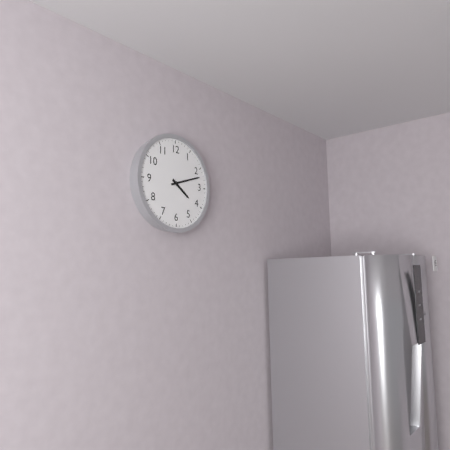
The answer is 4,12
